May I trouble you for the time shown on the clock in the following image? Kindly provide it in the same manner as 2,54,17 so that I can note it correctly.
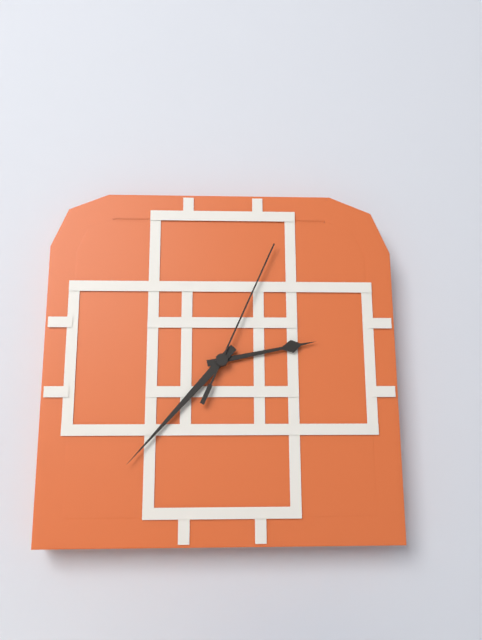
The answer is 2,37,04
